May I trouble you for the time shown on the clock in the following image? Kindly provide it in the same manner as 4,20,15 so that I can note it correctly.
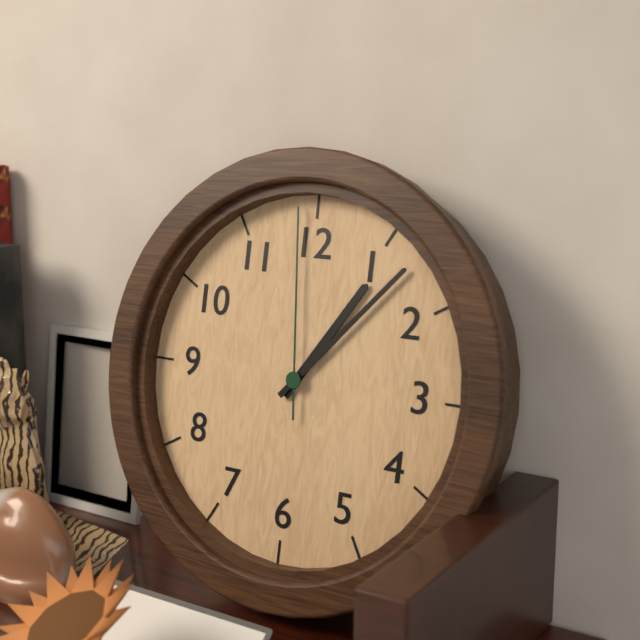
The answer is 1,07,59
